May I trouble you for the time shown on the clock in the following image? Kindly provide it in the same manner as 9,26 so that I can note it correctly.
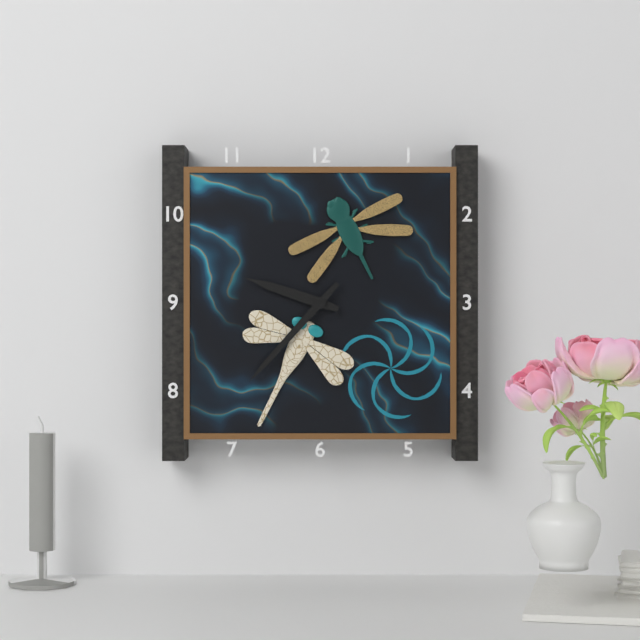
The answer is 9,37
